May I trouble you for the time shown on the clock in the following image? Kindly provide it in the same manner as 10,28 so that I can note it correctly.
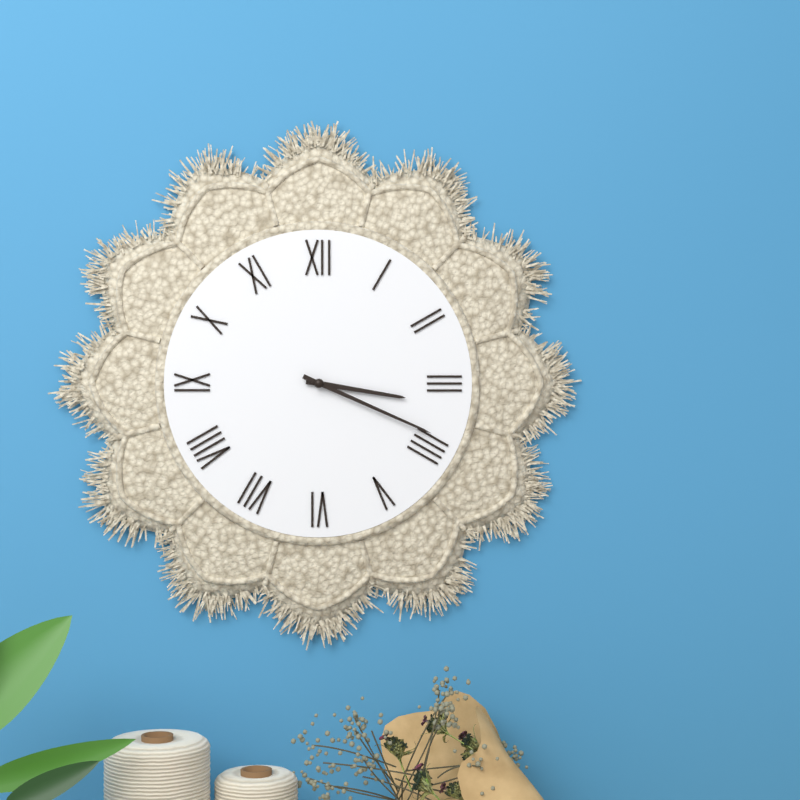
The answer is 3,19
